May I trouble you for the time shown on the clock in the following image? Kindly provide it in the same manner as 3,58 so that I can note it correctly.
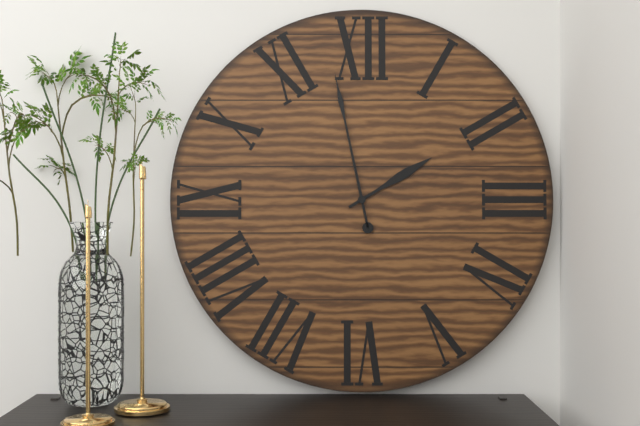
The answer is 1,58
